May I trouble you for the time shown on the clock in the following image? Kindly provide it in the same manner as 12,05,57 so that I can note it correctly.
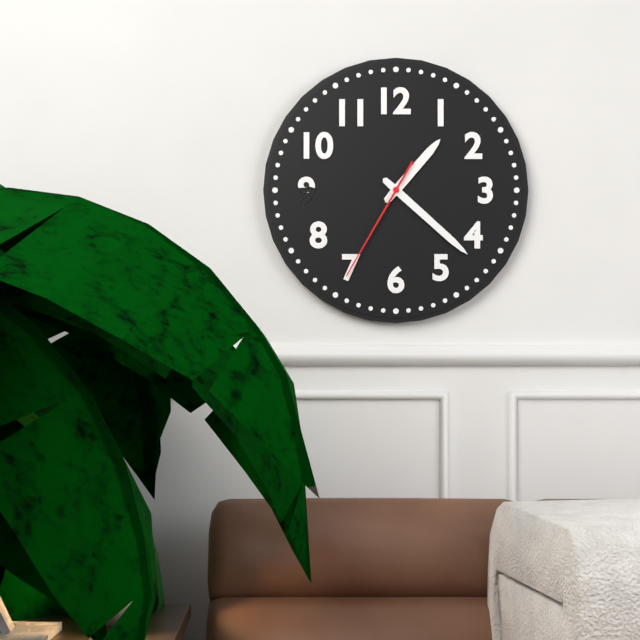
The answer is 1,22,35
